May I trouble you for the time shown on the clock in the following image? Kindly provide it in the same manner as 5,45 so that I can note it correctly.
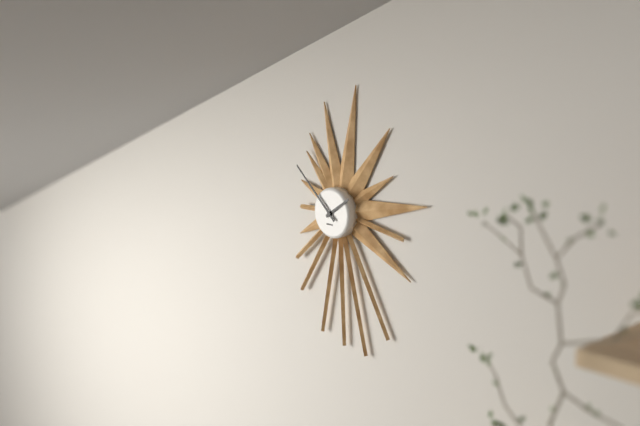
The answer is 1,52
